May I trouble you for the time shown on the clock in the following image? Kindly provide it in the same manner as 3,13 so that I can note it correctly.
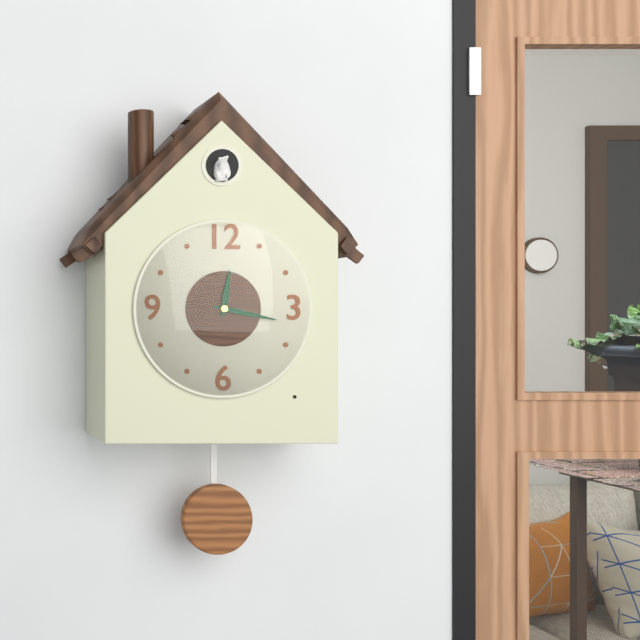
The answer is 12,17
